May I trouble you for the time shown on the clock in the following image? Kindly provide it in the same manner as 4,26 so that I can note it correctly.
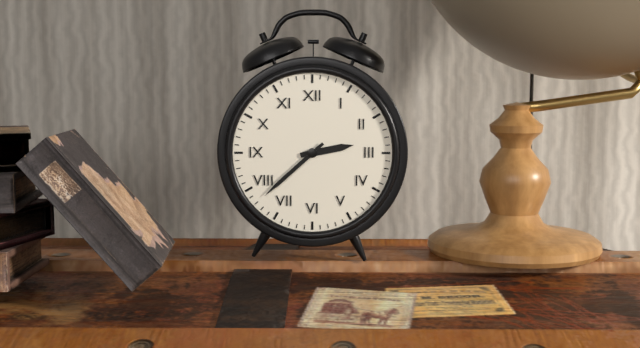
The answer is 2,38
